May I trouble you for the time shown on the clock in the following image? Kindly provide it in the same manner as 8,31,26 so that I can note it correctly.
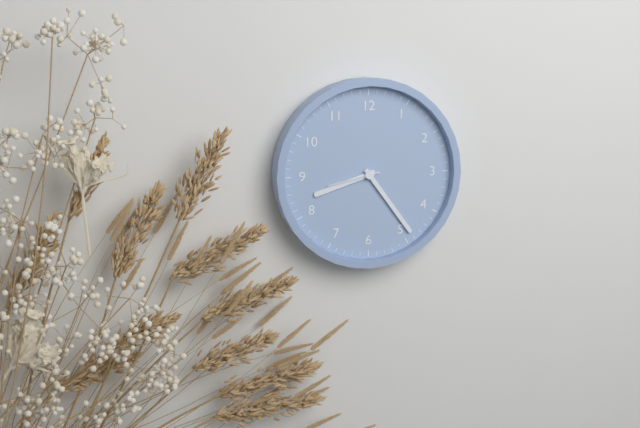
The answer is 8,24,43
